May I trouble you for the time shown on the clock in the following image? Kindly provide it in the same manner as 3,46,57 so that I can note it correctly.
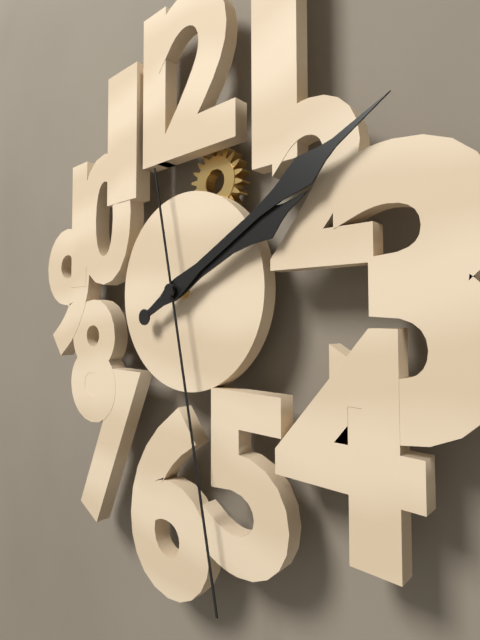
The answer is 2,10,28
